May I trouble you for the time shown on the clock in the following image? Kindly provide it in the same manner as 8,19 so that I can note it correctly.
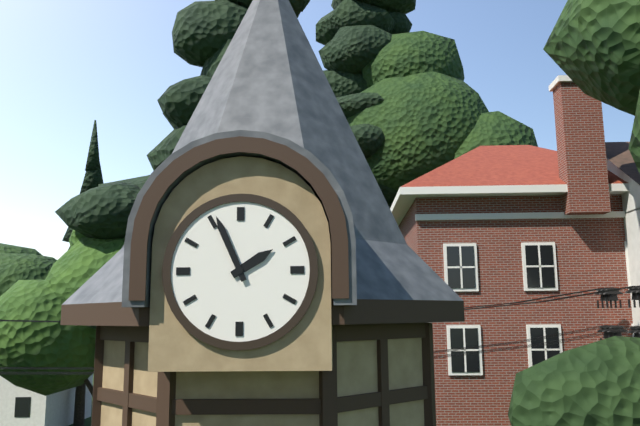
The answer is 1,56
